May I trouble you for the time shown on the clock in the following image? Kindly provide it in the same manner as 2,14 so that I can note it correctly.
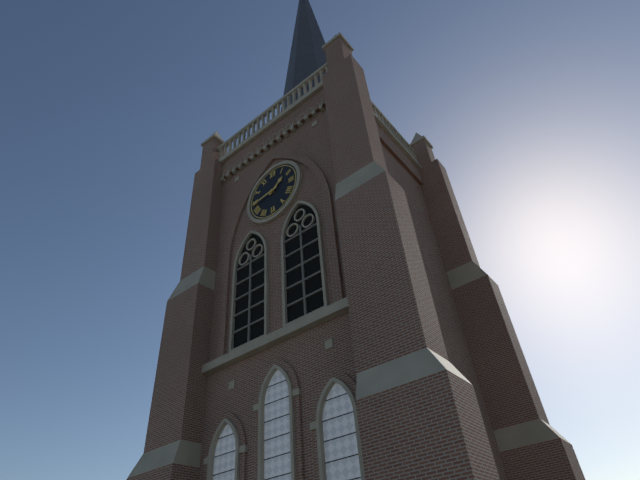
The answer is 1,44
